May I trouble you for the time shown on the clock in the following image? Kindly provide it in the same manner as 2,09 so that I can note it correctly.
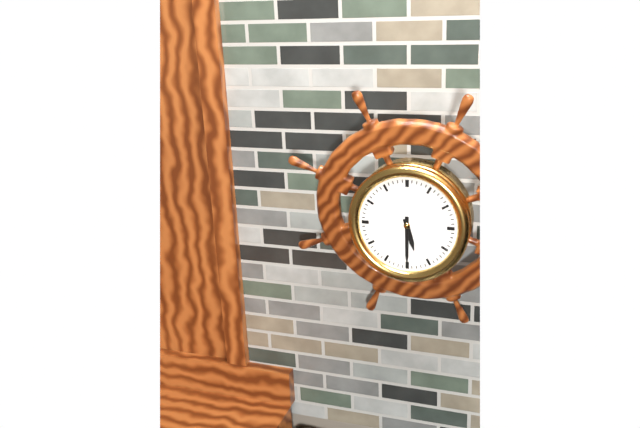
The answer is 5,30
